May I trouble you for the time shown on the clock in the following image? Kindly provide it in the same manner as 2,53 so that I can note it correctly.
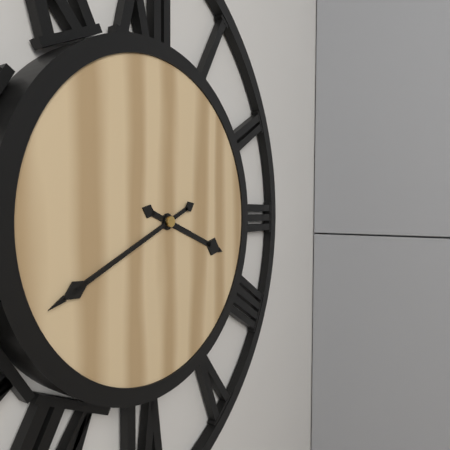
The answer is 3,41
